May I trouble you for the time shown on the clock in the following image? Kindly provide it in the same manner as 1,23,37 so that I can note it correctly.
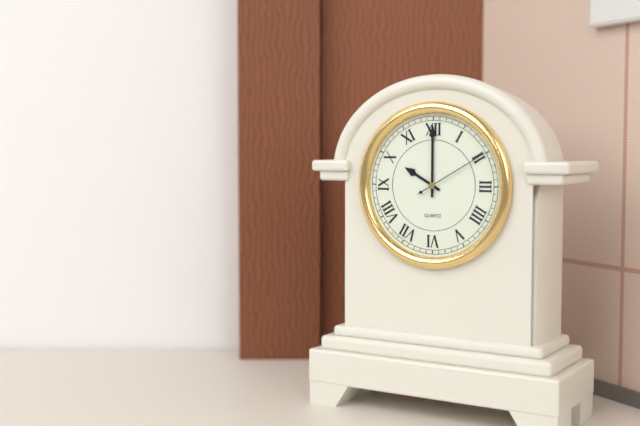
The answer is 10,00,10
